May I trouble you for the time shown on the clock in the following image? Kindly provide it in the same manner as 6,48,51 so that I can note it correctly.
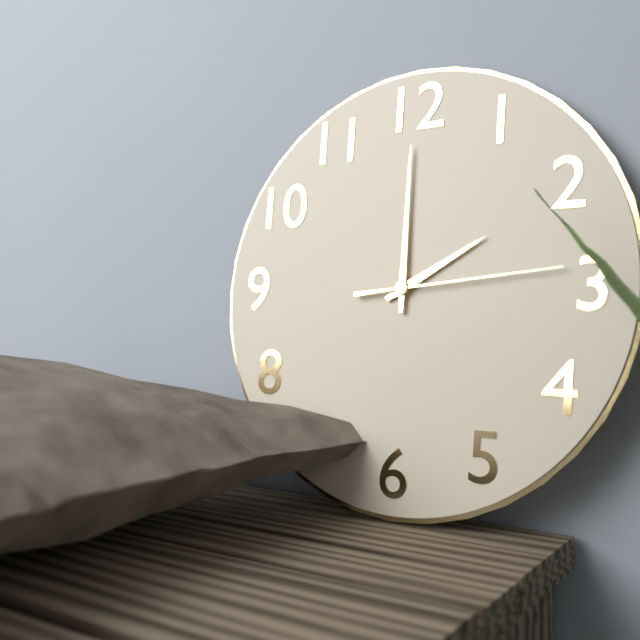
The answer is 2,00,14
